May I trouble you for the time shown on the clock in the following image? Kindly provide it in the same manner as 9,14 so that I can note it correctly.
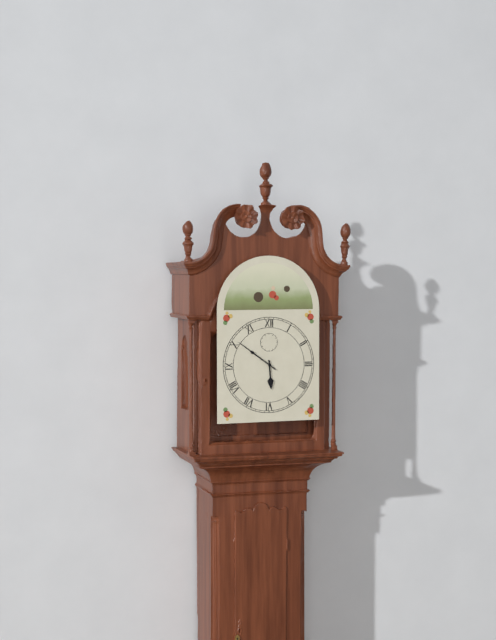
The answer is 5,51
